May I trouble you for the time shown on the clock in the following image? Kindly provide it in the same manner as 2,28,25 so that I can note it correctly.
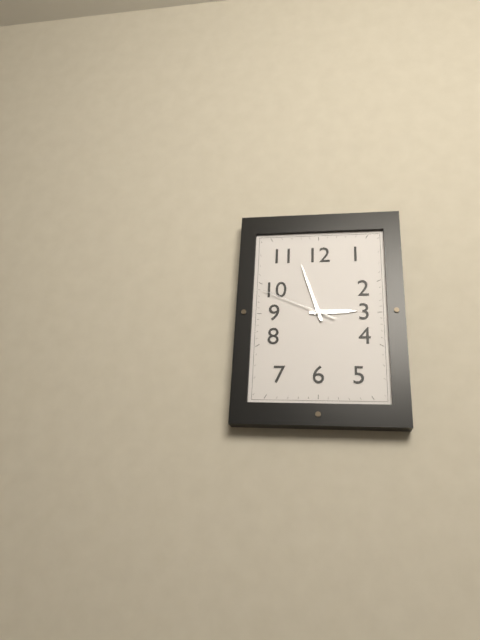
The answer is 2,57,49
